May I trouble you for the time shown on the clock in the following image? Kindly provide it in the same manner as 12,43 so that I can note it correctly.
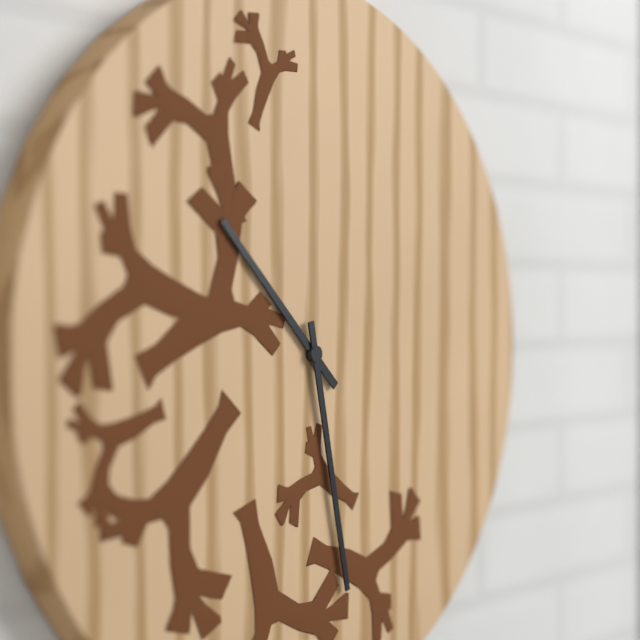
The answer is 10,28
